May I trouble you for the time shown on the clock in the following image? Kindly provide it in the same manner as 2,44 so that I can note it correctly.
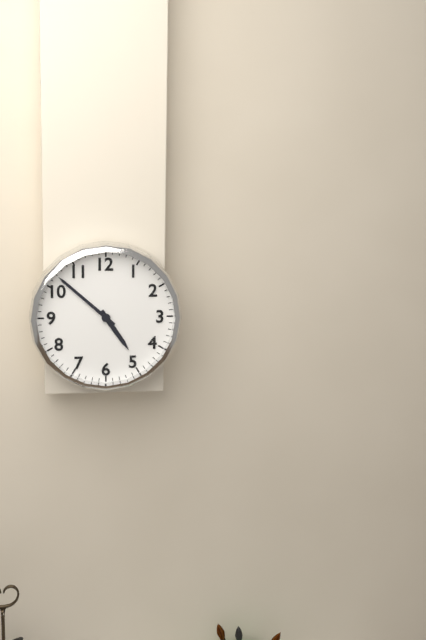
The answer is 4,52
